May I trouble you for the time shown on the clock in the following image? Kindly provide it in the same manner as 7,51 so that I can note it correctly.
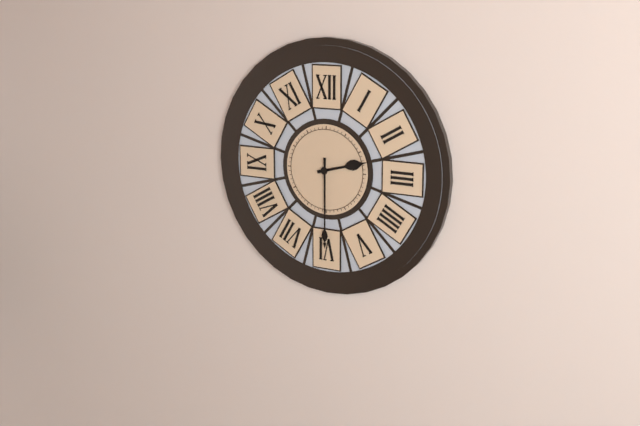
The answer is 2,30
